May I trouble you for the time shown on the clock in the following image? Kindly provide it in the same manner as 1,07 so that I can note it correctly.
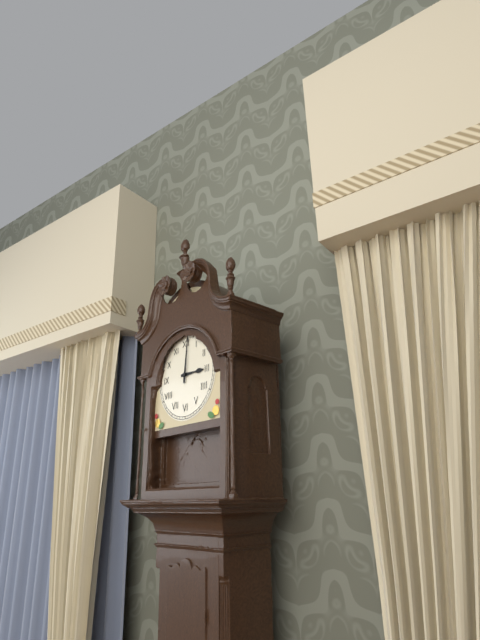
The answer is 3,01
